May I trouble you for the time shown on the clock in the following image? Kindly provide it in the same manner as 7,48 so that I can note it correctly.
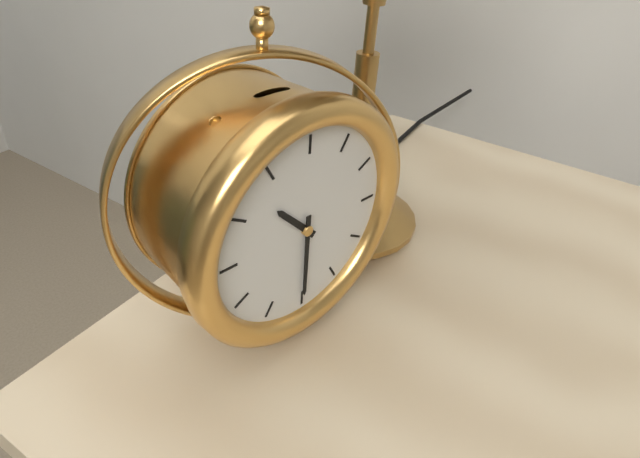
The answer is 10,30
